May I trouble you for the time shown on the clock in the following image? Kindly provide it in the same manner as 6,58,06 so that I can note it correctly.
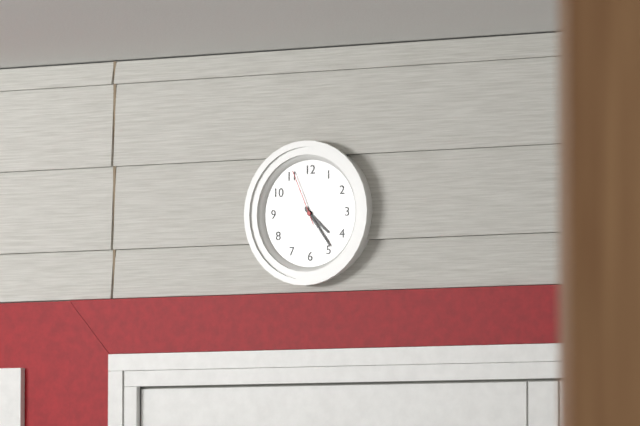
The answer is 4,24,56
